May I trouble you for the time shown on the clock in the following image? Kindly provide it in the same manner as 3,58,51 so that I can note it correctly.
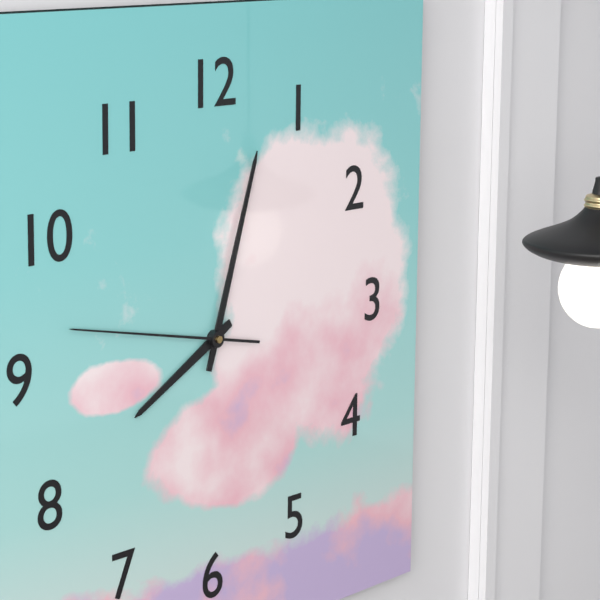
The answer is 8,03,47
